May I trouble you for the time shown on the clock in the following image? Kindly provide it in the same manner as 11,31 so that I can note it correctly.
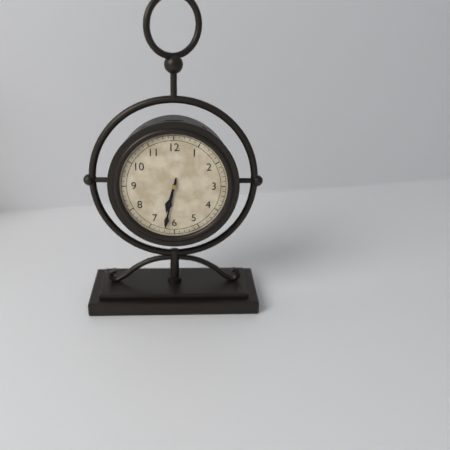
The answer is 6,32
